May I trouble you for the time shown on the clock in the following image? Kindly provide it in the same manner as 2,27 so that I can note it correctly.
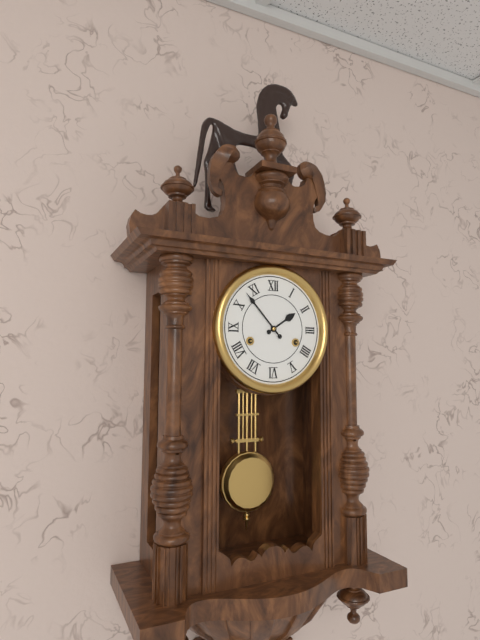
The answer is 1,53
